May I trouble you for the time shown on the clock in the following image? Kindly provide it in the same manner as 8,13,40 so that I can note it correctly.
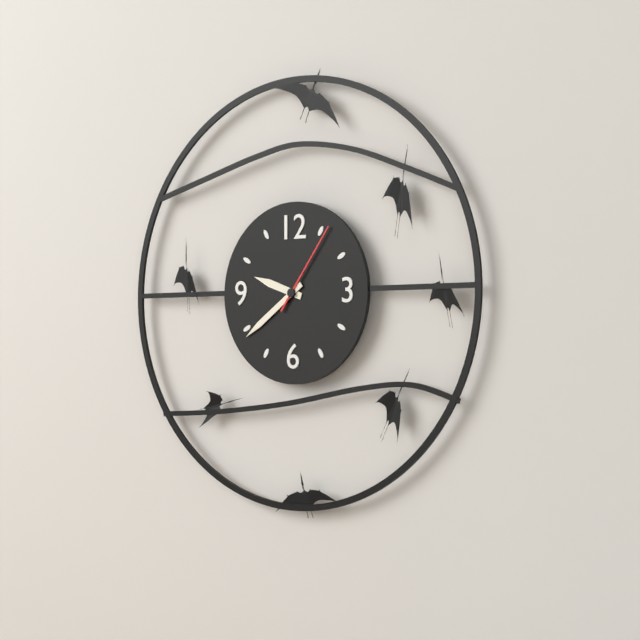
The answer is 9,39,06
